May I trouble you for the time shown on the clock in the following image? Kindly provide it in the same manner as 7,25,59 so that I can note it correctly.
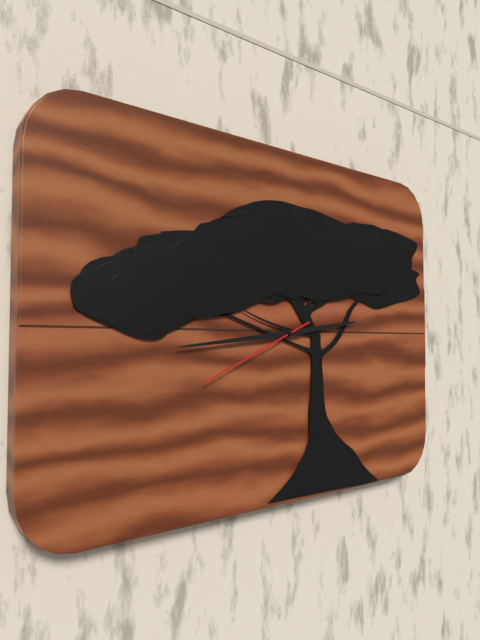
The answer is 2,44,41
